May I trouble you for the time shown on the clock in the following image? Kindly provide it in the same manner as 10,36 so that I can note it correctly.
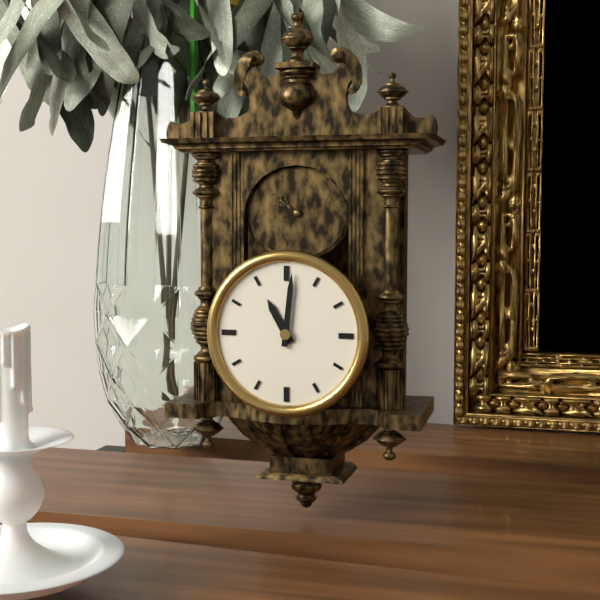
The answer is 11,01
